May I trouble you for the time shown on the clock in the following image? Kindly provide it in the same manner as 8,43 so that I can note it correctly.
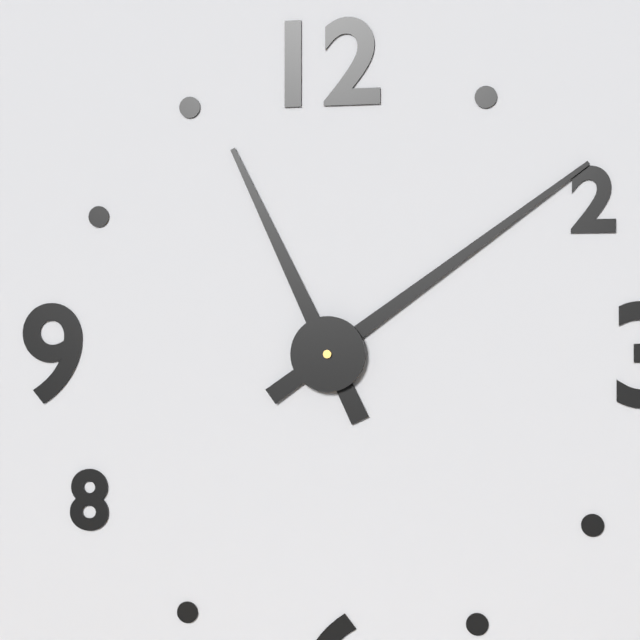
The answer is 11,09
